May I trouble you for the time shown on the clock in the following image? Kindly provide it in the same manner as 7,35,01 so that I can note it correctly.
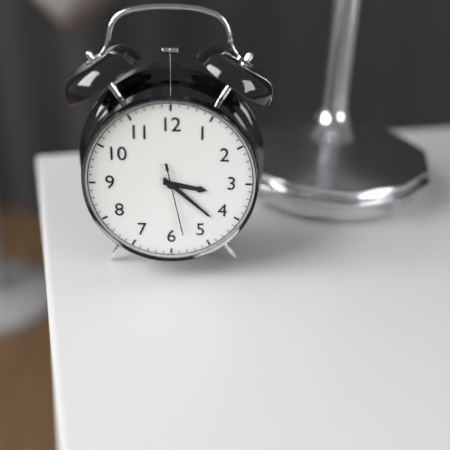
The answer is 3,22,28
